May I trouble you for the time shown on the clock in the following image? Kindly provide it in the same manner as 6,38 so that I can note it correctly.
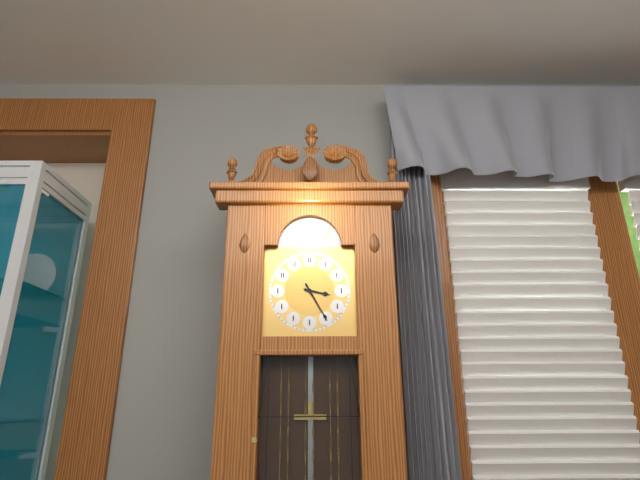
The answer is 3,25
